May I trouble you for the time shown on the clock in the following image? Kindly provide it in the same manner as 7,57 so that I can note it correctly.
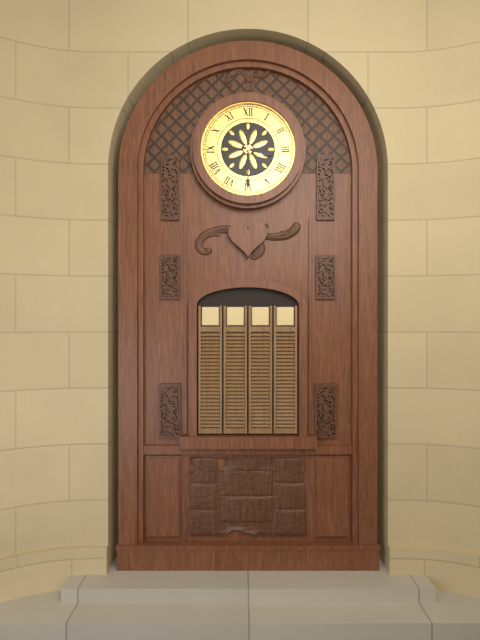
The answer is 3,30
